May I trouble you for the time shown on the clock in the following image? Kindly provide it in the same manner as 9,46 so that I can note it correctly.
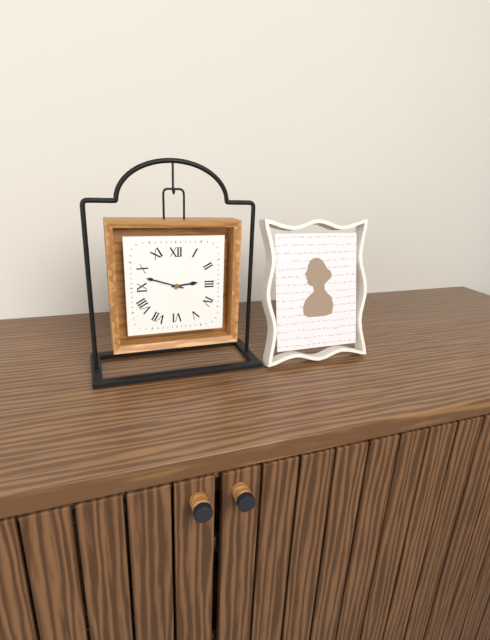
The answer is 2,48
